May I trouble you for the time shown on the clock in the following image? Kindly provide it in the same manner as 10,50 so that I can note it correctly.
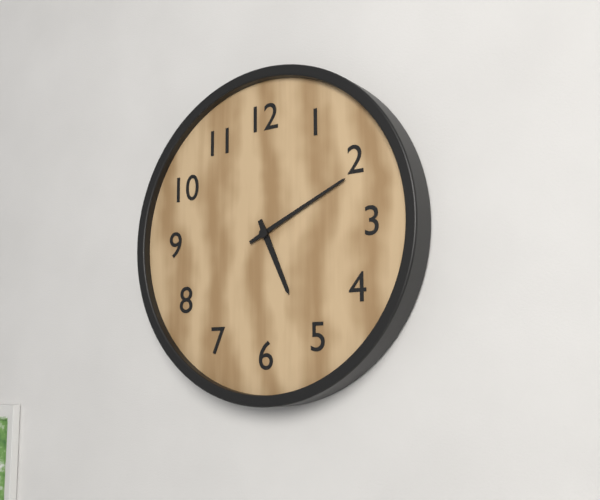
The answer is 5,11
